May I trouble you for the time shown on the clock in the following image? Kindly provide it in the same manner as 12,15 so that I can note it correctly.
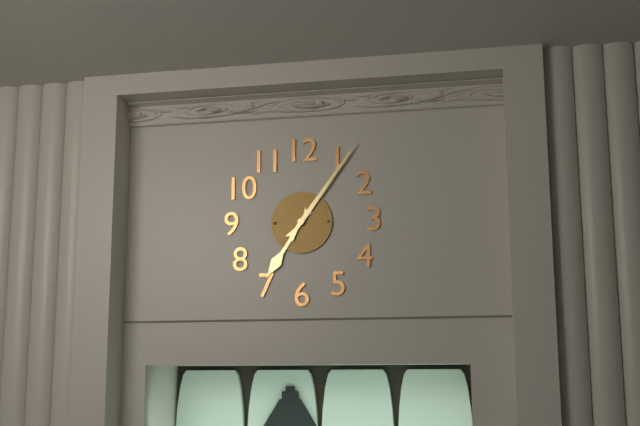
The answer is 7,06
